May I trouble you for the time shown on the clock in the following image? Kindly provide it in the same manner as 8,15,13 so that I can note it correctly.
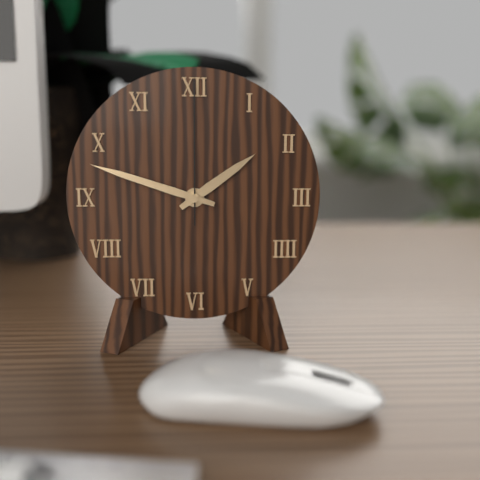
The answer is 1,48,00
